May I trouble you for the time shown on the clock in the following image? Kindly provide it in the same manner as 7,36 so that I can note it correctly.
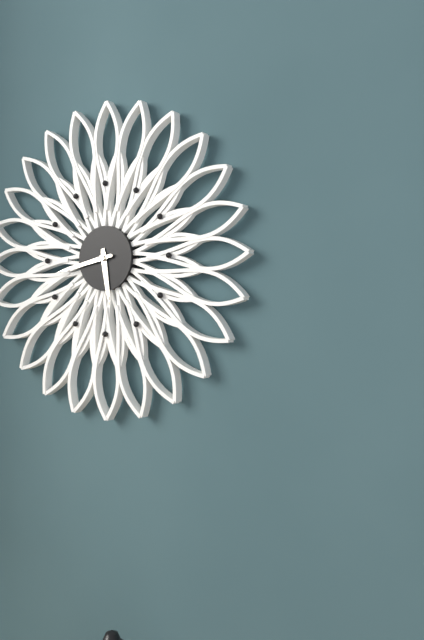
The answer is 5,43
